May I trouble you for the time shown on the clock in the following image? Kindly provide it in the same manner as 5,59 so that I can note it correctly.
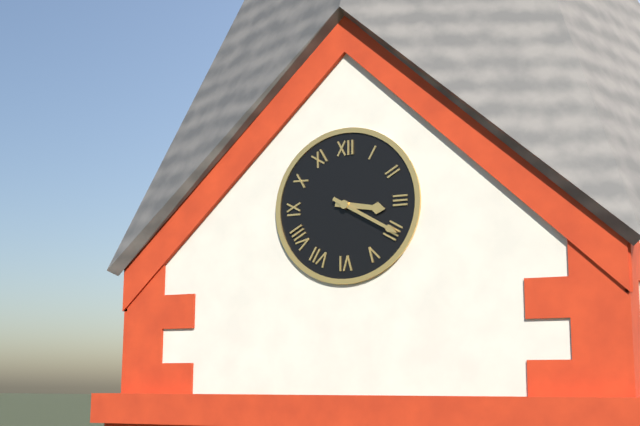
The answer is 3,20
